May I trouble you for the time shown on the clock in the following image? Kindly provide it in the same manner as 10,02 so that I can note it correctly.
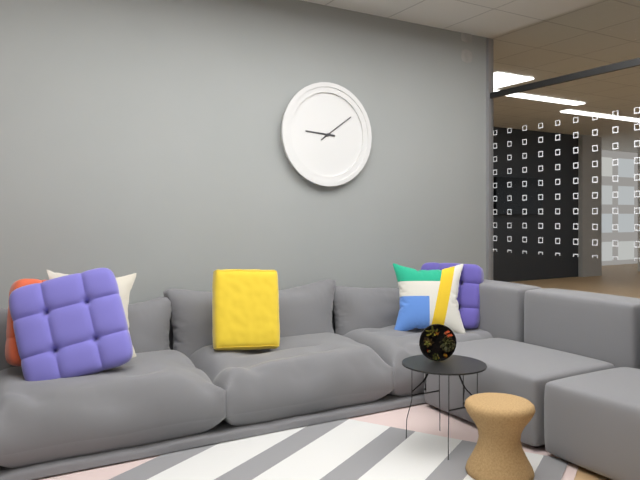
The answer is 9,09
